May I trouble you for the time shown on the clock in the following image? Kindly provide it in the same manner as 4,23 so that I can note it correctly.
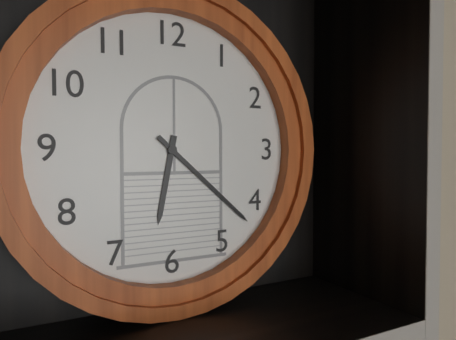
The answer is 6,22
